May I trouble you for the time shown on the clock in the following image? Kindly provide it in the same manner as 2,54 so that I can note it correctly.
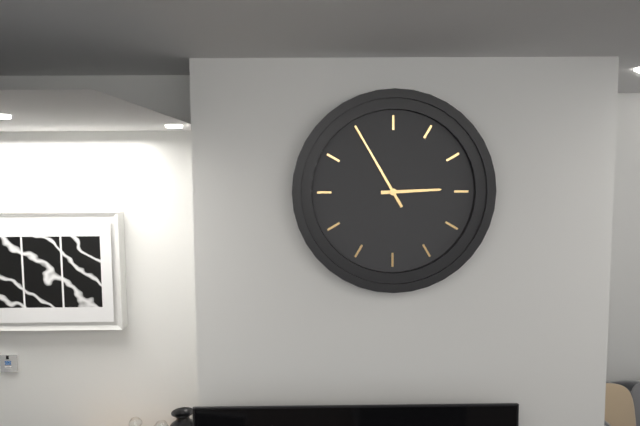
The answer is 2,55
